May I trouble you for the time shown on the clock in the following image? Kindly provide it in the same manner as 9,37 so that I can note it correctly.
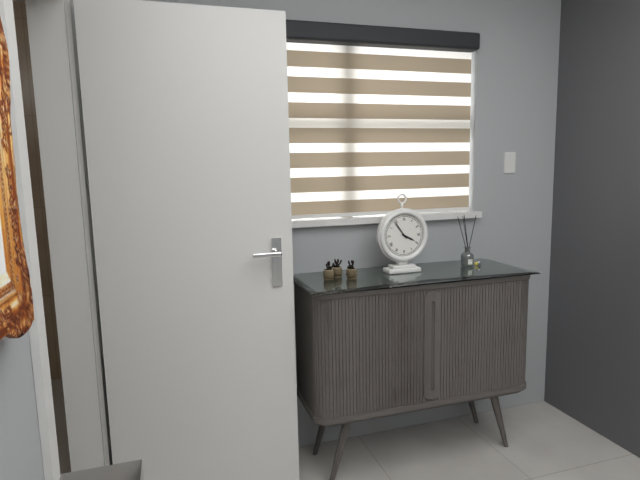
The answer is 3,54
